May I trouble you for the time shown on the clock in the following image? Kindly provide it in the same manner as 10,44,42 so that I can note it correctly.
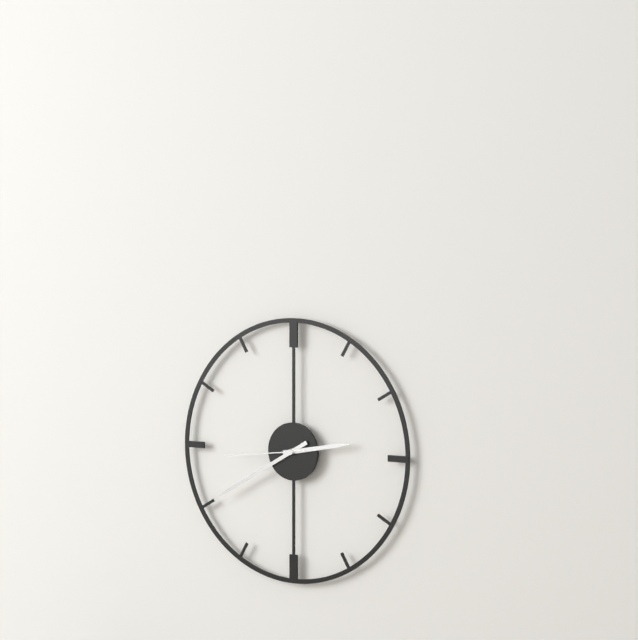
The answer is 2,40,44
